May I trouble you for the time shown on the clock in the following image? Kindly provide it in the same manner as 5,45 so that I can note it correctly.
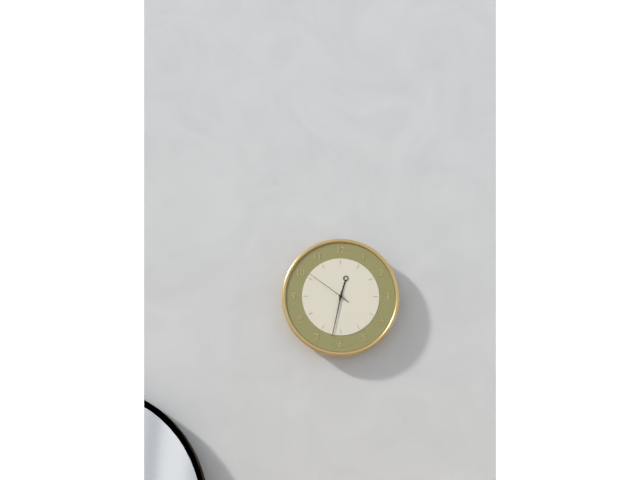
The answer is 12,32
